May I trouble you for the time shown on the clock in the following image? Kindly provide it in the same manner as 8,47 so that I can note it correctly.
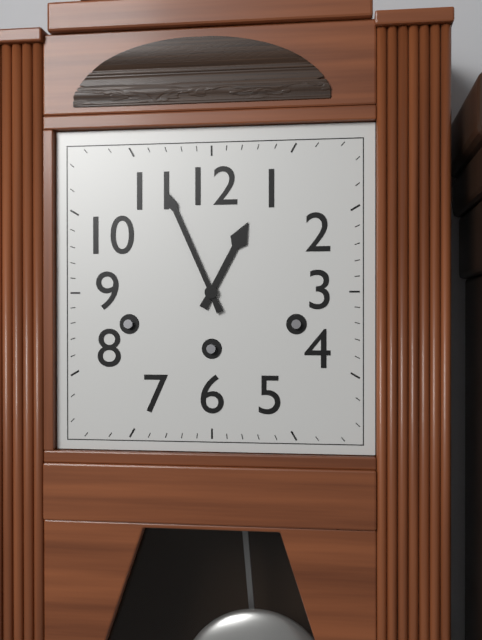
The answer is 12,56
